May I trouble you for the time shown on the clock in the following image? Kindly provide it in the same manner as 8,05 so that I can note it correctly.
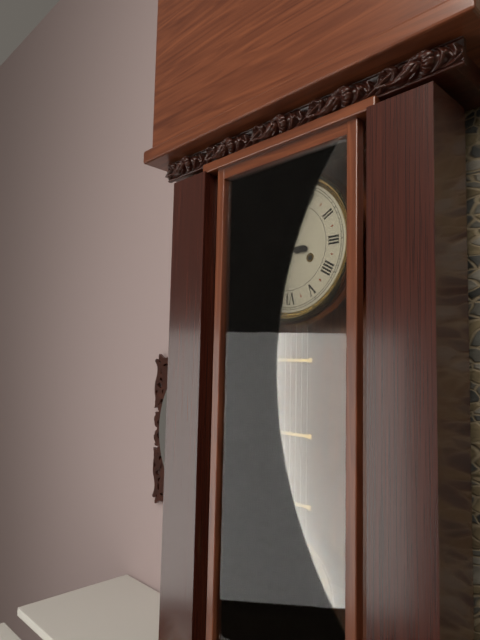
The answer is 9,47
